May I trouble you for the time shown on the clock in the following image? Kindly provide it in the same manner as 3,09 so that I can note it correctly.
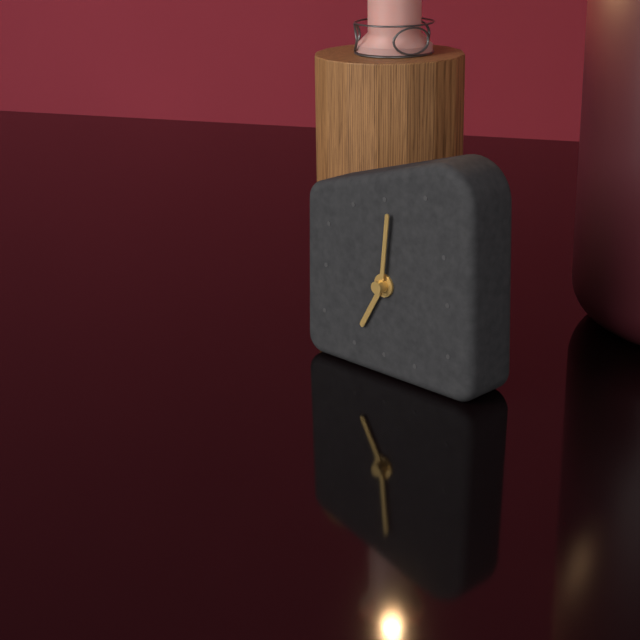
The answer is 7,01
